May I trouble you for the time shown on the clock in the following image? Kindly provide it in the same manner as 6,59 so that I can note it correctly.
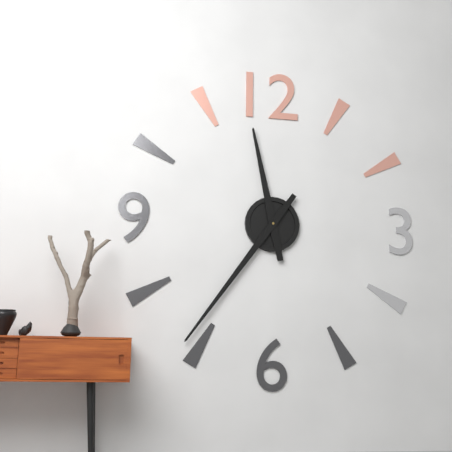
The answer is 11,36
